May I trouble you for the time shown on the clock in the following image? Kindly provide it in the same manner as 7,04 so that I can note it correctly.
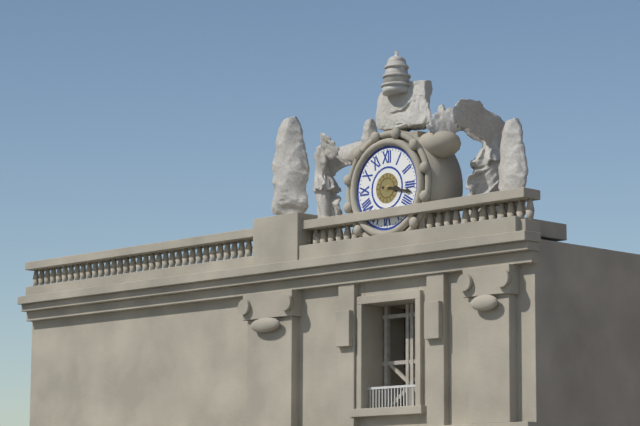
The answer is 3,17
